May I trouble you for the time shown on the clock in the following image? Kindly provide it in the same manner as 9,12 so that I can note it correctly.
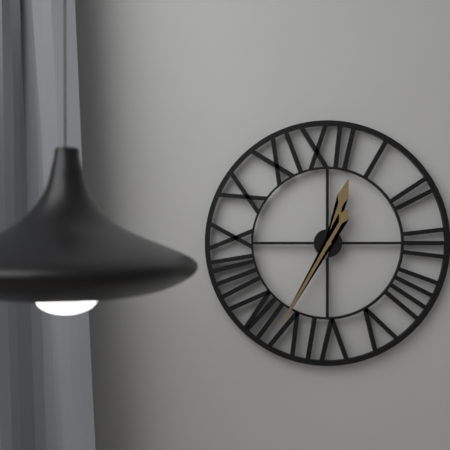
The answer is 12,35
